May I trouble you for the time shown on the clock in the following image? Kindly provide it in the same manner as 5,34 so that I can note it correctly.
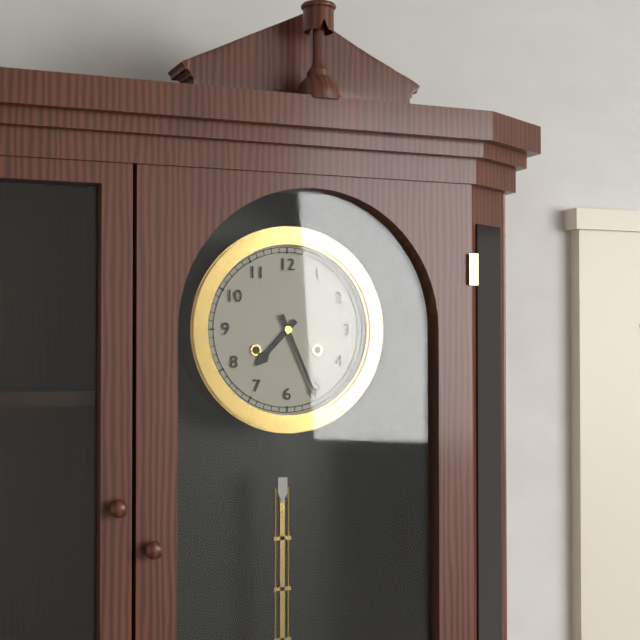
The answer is 7,26
